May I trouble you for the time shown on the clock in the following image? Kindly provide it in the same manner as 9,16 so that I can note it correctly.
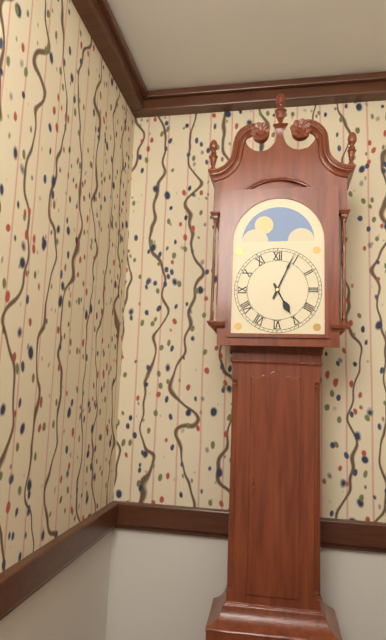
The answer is 5,04
